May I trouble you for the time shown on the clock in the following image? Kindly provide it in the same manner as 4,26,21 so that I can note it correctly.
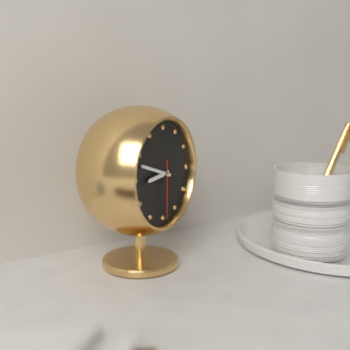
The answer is 8,48,30
